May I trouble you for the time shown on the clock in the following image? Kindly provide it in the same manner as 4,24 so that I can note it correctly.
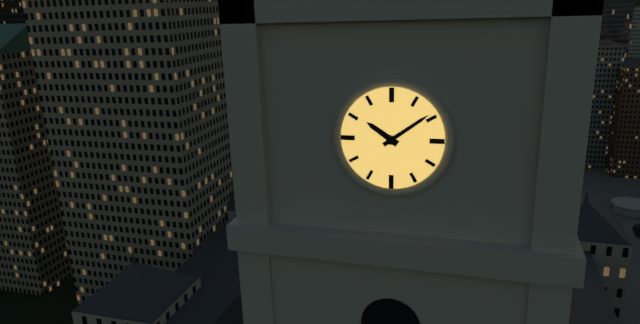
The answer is 10,09
